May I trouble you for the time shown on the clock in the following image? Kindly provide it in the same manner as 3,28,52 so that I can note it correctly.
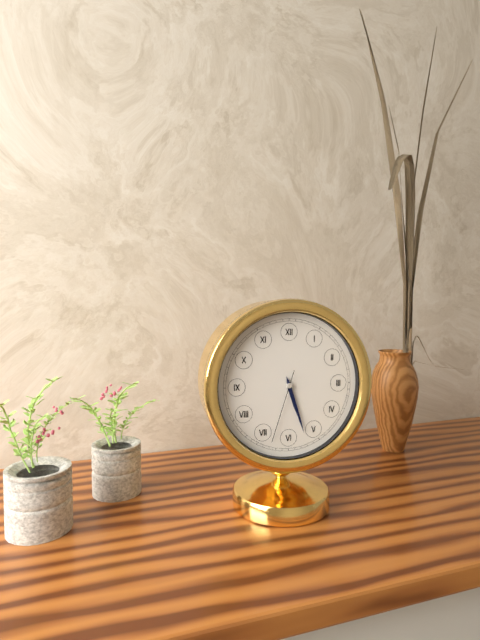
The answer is 5,27,33
